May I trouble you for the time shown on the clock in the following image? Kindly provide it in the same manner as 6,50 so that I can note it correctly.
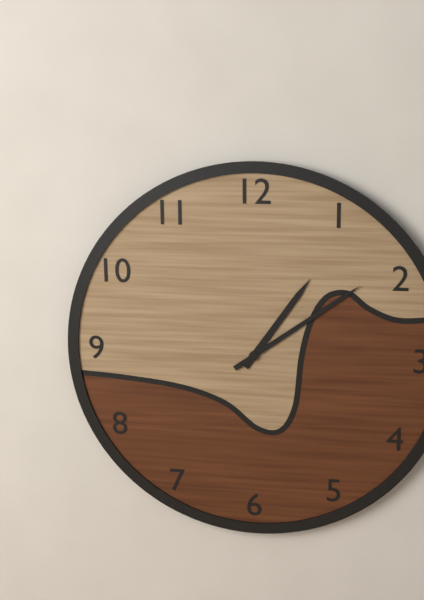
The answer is 1,09
